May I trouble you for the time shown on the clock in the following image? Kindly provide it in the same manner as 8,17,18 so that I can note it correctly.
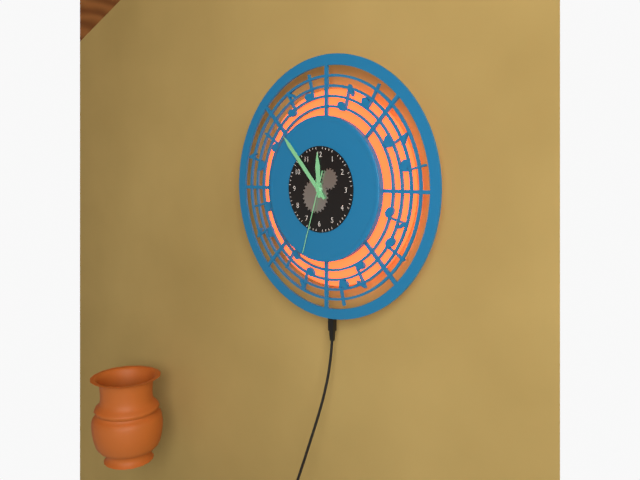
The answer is 11,53,33
